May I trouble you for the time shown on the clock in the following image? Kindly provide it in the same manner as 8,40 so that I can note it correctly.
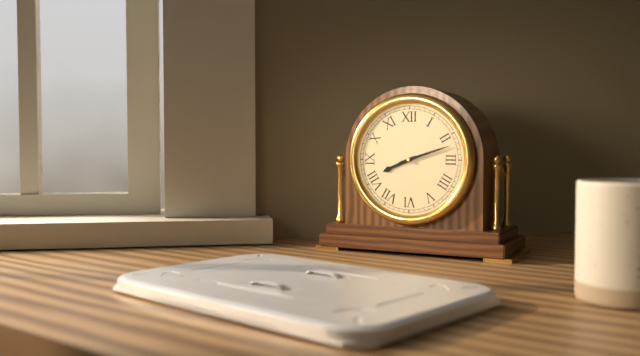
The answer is 8,12
